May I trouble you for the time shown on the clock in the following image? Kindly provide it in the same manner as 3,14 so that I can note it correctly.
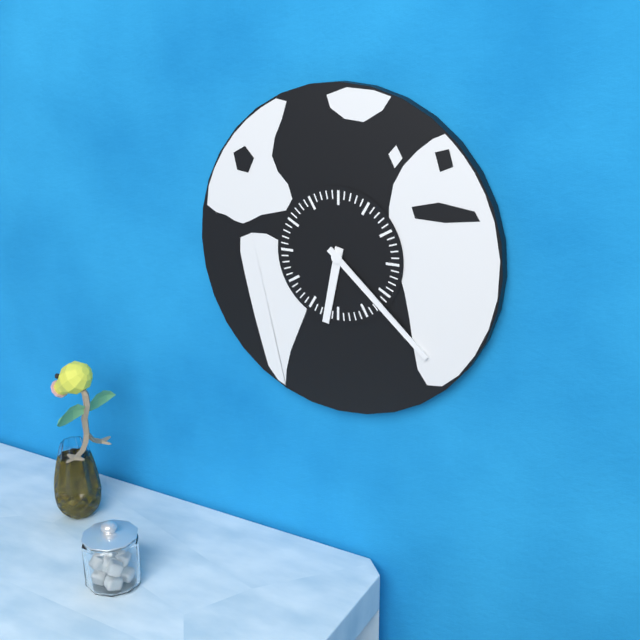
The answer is 6,22
